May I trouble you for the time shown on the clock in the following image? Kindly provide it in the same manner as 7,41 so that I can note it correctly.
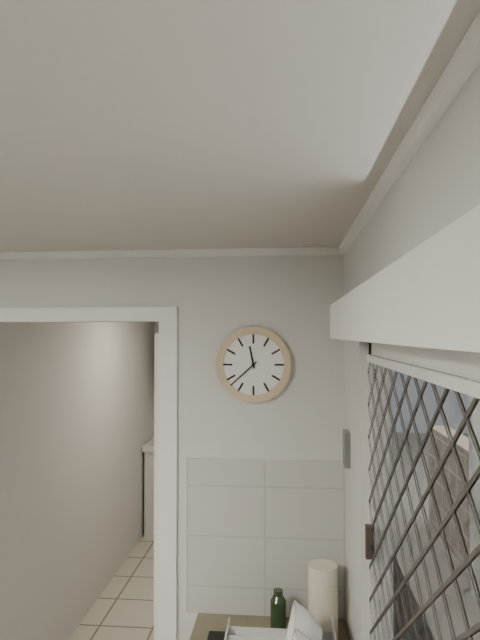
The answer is 11,38
